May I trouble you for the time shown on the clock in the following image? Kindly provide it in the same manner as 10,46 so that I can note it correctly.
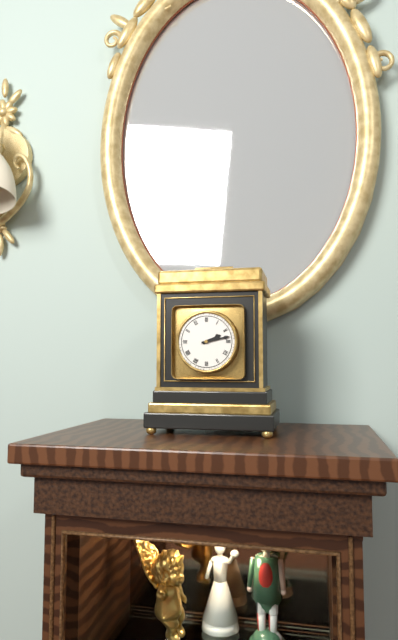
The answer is 2,13
